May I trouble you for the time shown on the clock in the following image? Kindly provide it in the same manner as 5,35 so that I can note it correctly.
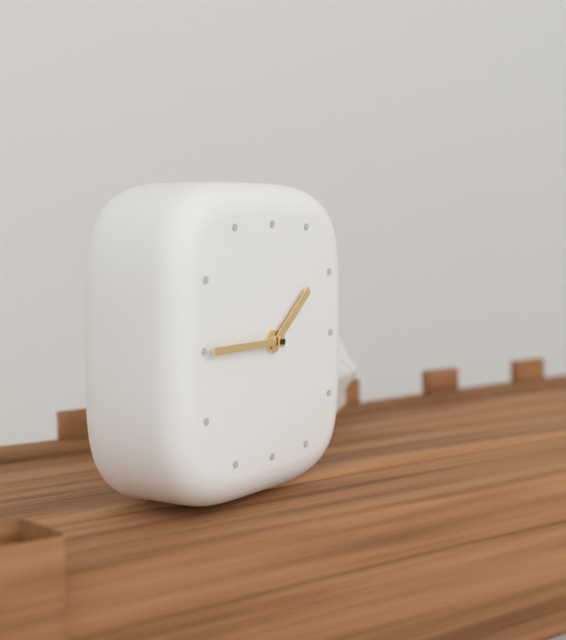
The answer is 1,45
